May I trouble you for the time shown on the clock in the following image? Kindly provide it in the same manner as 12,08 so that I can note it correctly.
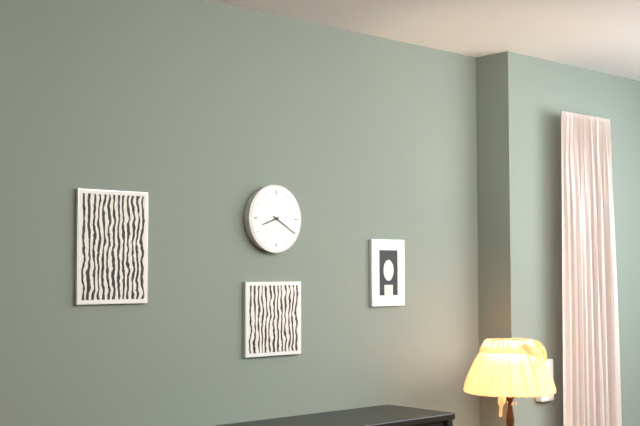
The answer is 8,20
